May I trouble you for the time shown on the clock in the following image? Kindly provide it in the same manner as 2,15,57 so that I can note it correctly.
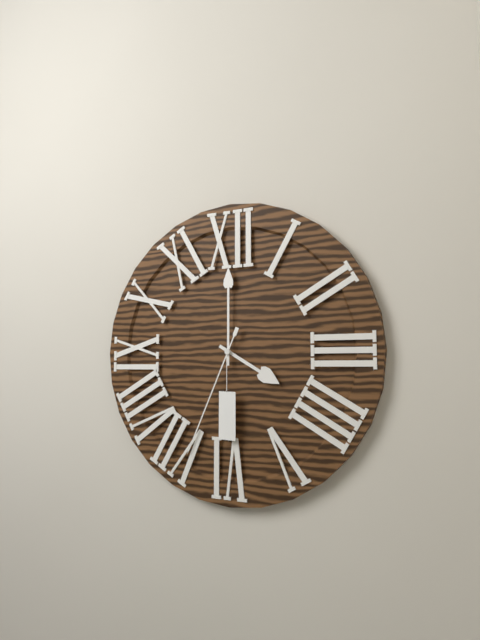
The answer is 4,00,34
